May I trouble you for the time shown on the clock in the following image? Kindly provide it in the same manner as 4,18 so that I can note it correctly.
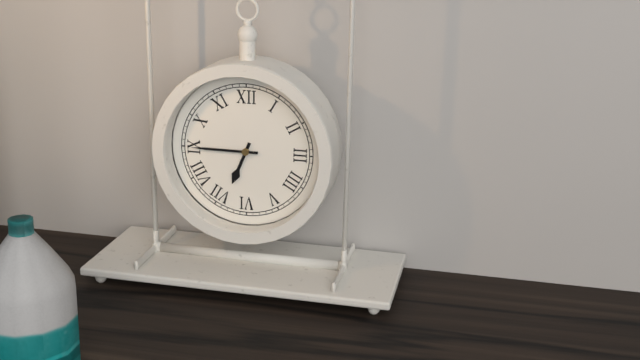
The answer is 6,45
